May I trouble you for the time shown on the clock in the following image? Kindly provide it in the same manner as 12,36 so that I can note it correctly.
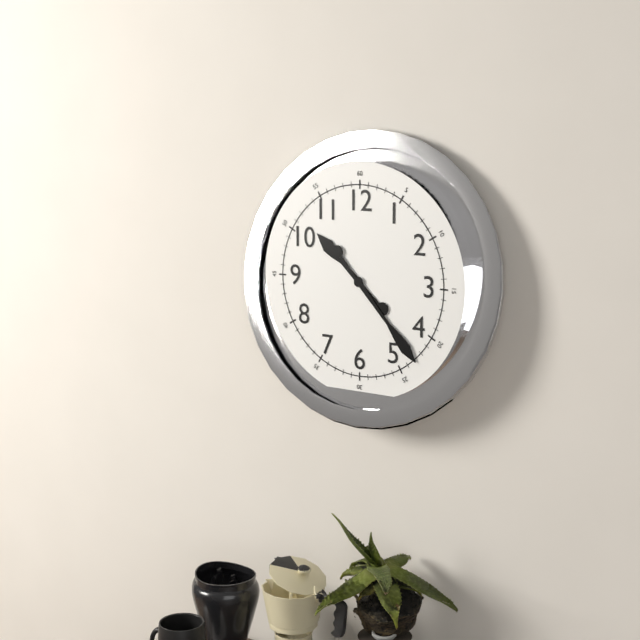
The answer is 10,23
